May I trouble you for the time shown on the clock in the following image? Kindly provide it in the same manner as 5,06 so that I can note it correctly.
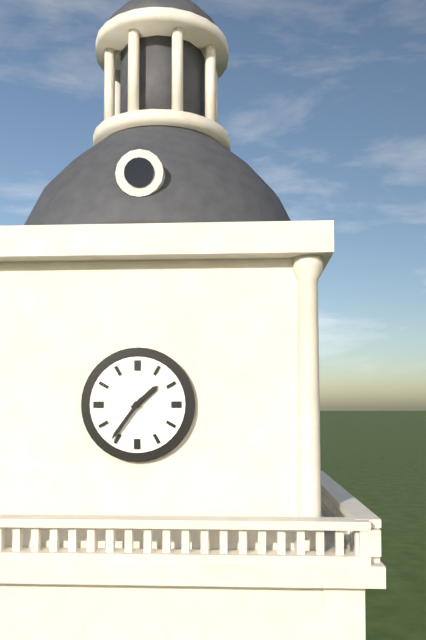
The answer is 1,36
